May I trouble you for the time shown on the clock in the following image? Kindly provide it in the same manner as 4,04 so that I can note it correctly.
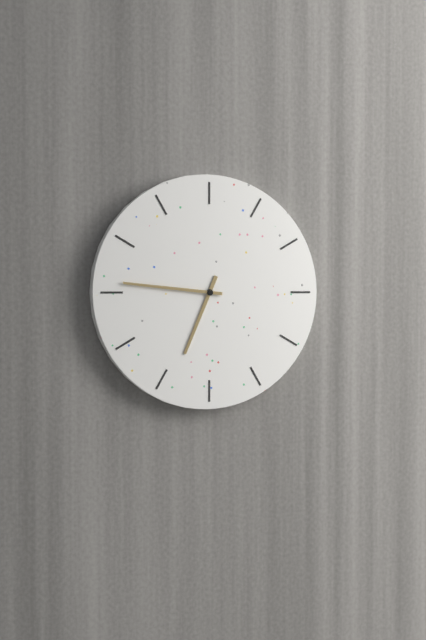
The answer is 6,46
